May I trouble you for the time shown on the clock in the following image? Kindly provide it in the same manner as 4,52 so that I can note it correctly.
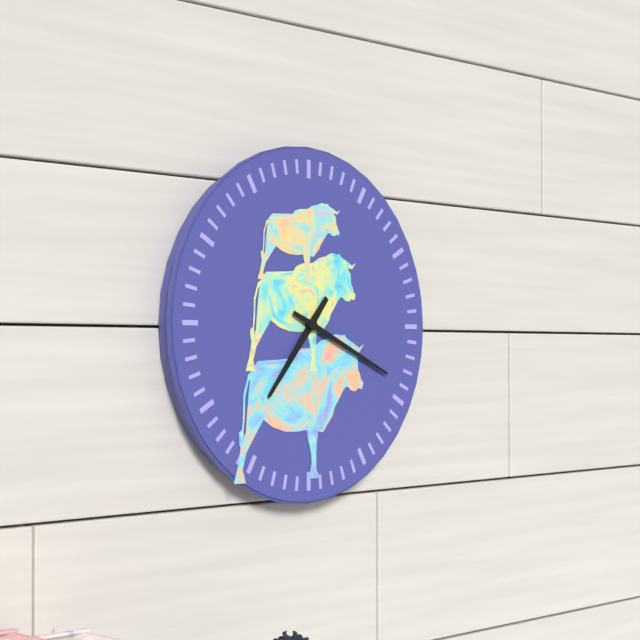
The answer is 7,19
